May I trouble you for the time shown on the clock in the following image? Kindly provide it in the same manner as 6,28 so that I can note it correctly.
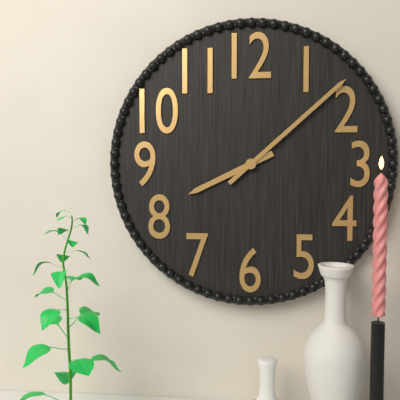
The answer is 8,08
